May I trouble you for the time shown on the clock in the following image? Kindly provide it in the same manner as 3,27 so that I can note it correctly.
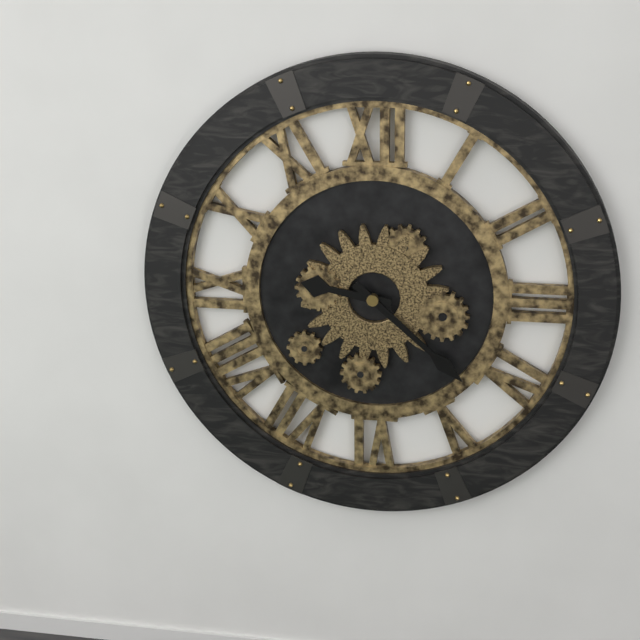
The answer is 9,22
